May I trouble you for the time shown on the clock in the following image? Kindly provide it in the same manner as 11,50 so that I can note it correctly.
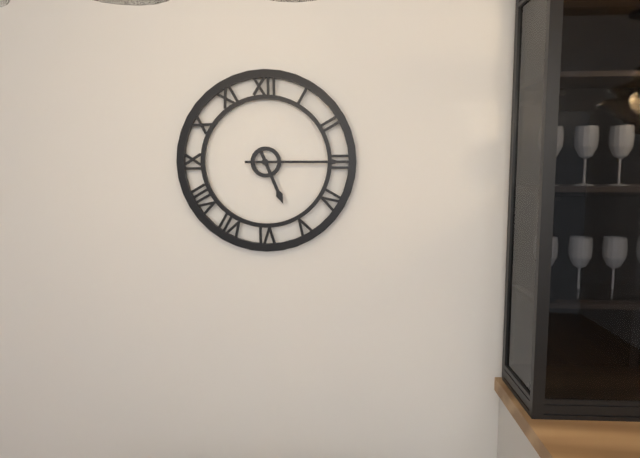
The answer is 5,15
